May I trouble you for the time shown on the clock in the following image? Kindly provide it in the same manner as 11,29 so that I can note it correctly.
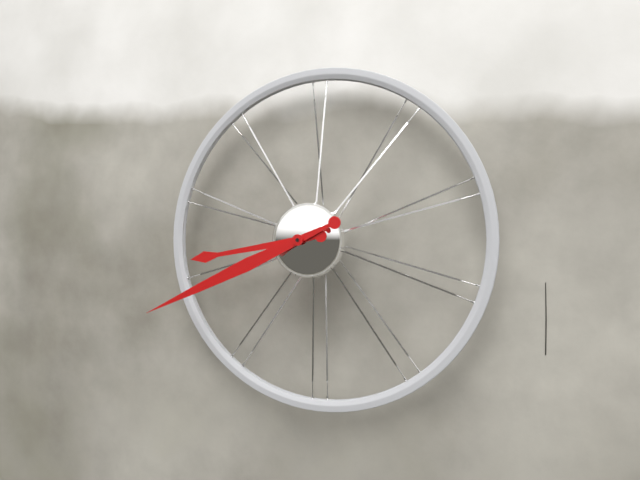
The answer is 8,41
